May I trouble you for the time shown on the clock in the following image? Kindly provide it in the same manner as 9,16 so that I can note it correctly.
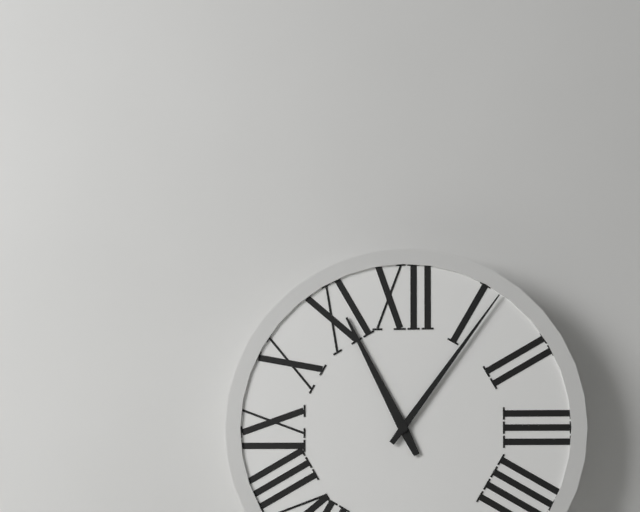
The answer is 11,06
